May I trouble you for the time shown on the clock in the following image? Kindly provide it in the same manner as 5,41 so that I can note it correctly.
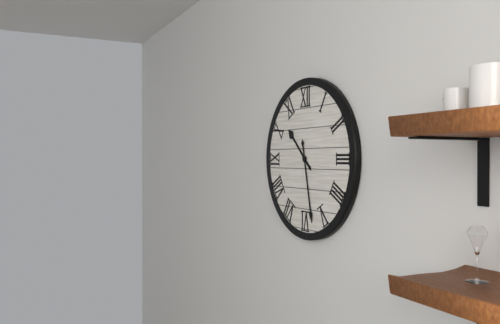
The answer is 10,28
